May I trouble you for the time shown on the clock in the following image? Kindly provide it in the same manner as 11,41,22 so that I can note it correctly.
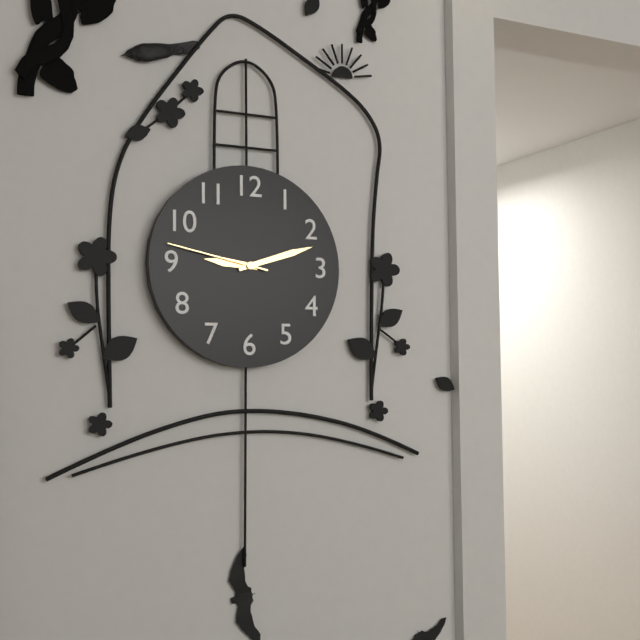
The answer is 9,12,47
